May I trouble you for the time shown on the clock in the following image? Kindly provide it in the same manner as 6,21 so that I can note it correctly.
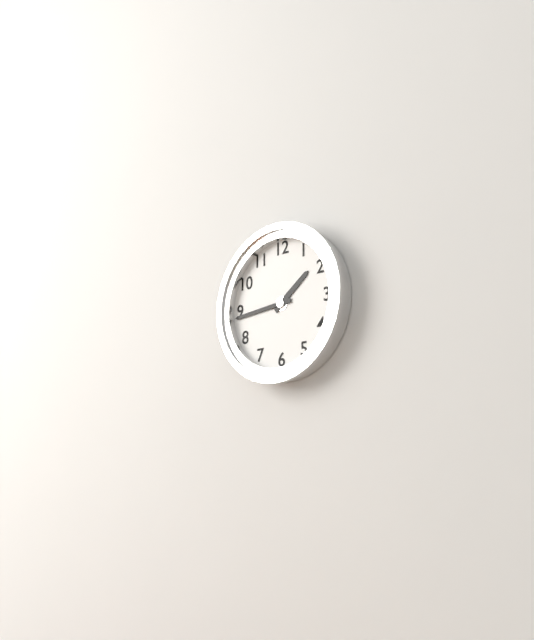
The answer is 1,44
